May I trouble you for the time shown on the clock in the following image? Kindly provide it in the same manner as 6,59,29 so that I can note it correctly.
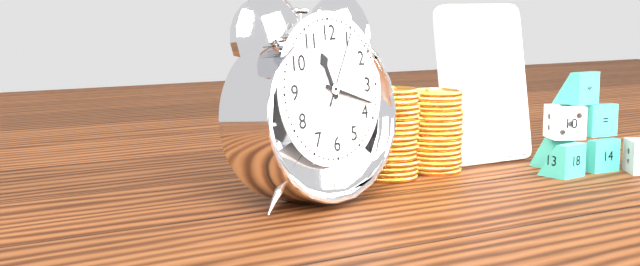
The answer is 11,18,05
